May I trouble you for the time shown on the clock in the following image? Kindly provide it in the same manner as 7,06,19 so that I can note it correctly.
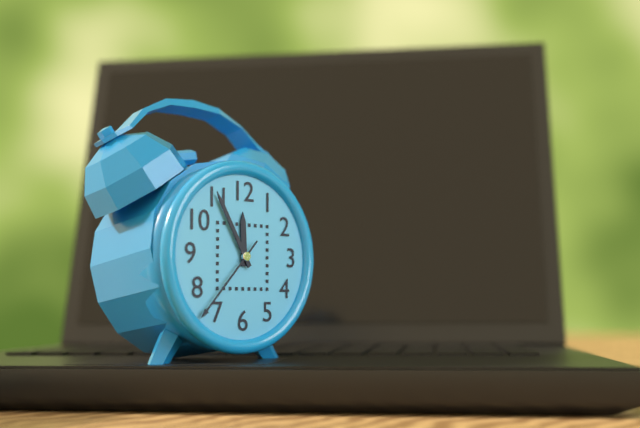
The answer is 11,55,37
